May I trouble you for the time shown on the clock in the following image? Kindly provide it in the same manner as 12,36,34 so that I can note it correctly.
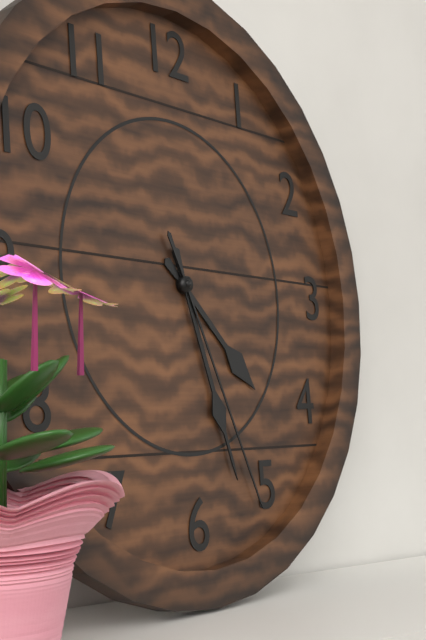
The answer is 4,27,26
